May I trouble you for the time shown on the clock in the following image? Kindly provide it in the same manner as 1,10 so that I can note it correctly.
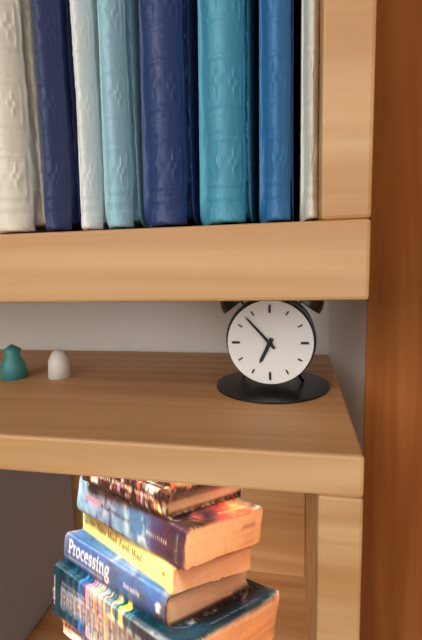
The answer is 6,53
